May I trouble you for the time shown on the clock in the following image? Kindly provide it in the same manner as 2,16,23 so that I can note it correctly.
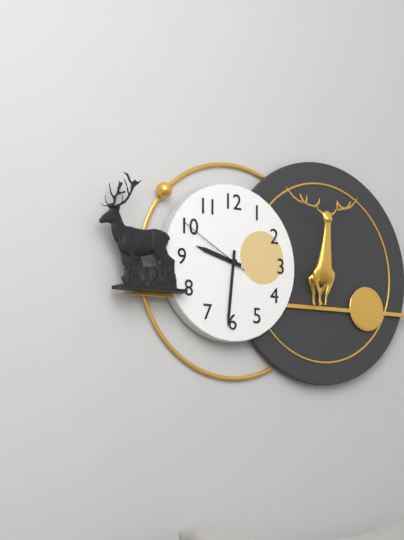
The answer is 9,31,50
